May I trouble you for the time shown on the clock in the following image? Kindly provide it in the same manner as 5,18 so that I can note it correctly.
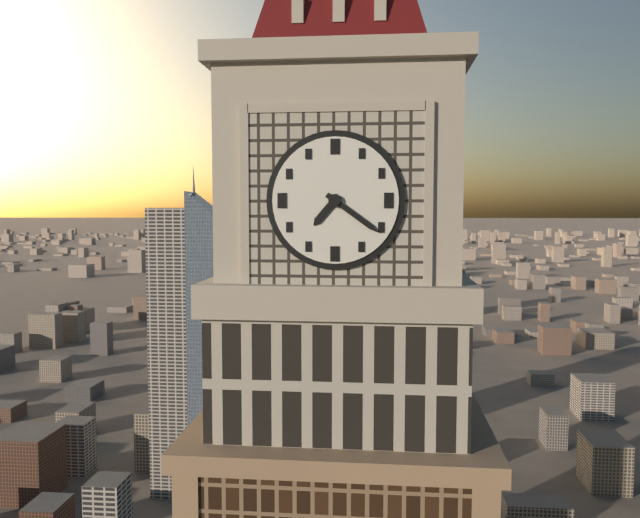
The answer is 7,21
